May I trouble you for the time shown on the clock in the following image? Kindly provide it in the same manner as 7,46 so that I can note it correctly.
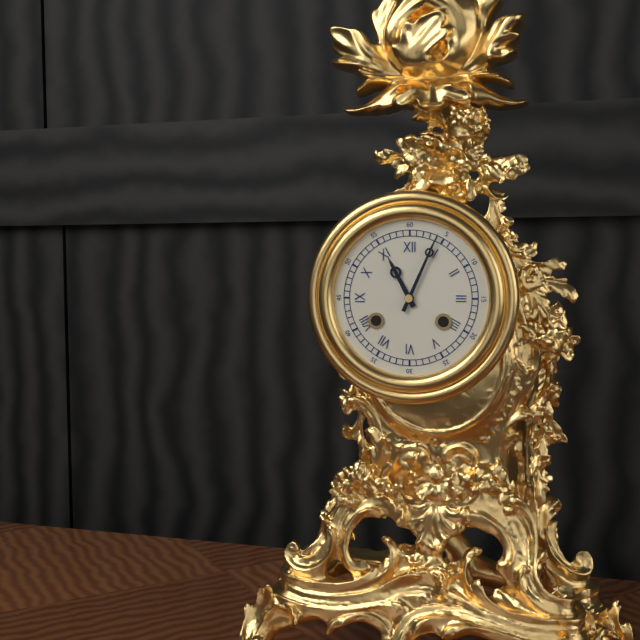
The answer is 11,04
